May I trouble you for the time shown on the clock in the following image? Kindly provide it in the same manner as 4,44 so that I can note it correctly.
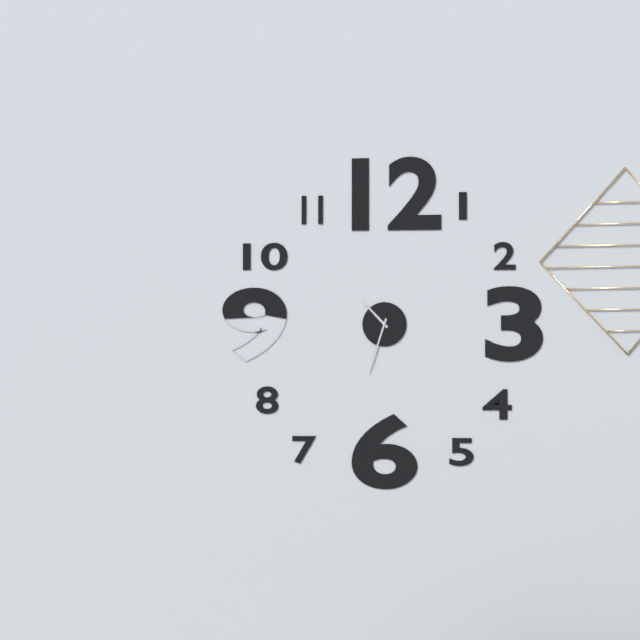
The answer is 10,33
